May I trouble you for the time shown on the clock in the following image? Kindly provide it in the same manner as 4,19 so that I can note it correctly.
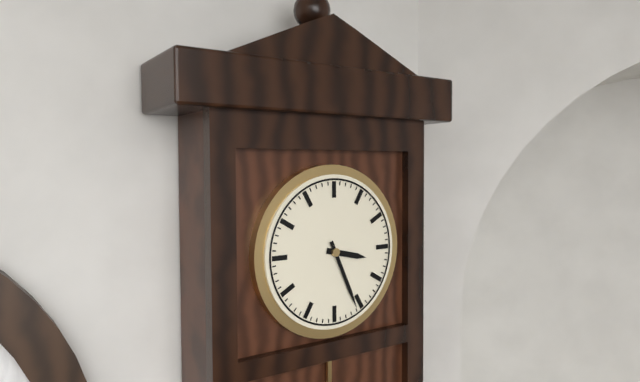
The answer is 3,26
